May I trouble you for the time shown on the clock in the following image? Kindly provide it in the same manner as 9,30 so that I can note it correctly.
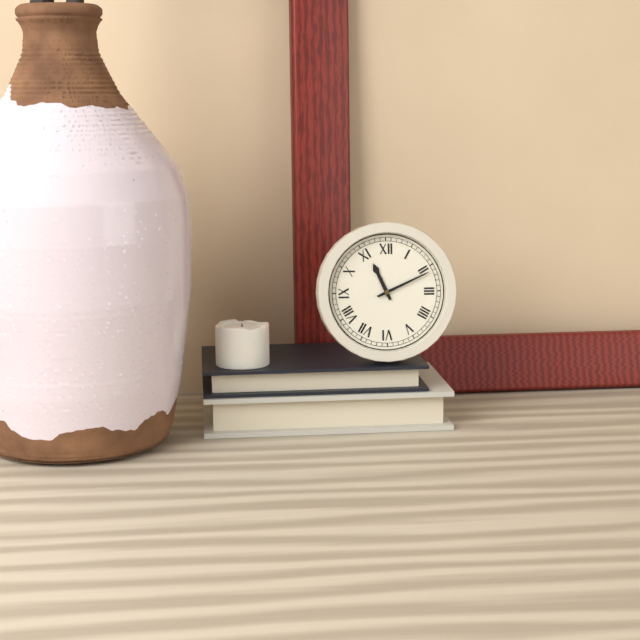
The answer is 11,11
